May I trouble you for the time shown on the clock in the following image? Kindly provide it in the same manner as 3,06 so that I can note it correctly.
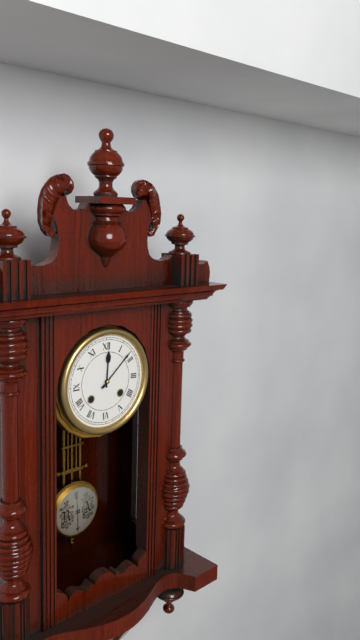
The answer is 12,08
